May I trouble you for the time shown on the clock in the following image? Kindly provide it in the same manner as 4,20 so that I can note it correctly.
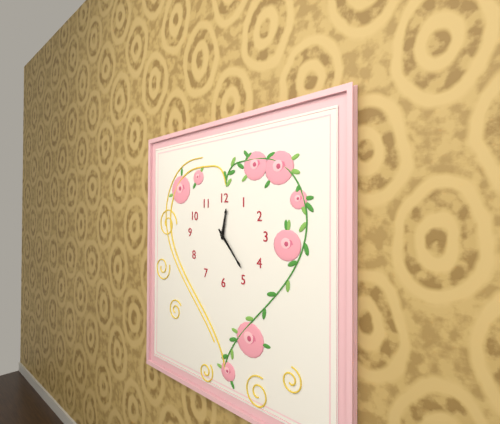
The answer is 12,23
